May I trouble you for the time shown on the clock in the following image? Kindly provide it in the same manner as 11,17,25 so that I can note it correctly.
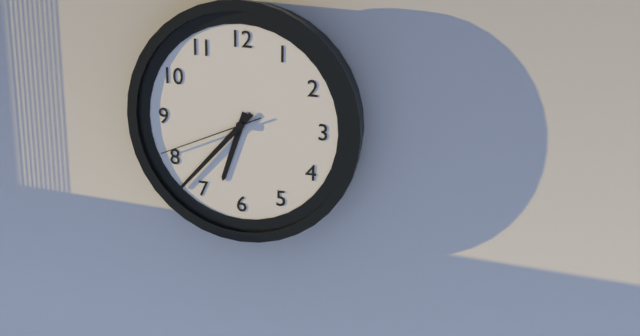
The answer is 6,37,41
